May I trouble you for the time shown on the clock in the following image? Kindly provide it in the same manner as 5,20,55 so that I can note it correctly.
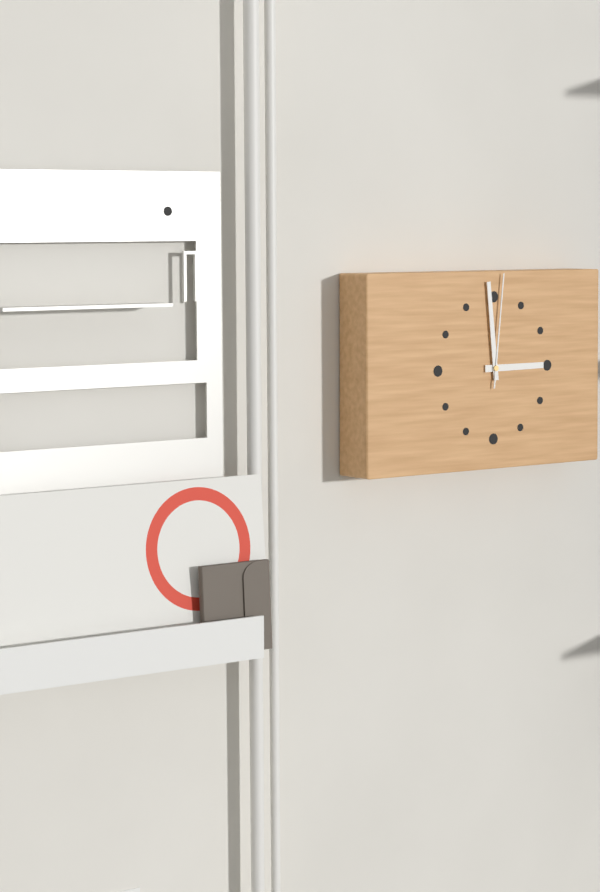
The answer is 2,59,01
